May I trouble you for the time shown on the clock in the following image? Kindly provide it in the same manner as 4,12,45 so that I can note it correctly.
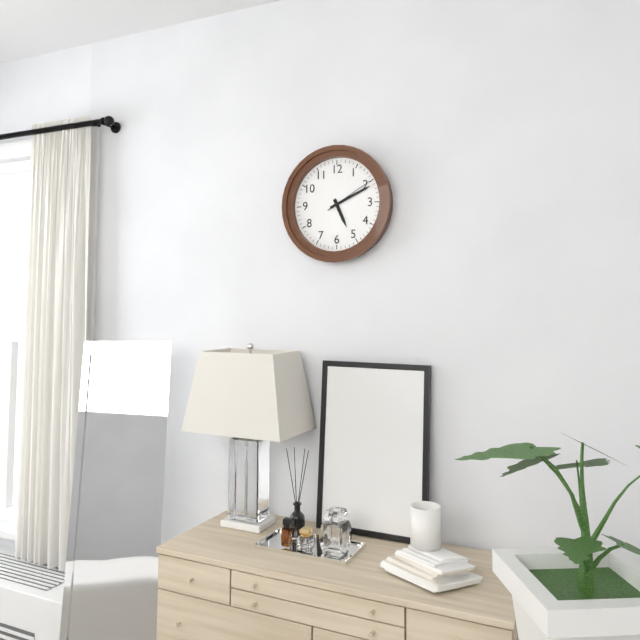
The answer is 5,11,10
